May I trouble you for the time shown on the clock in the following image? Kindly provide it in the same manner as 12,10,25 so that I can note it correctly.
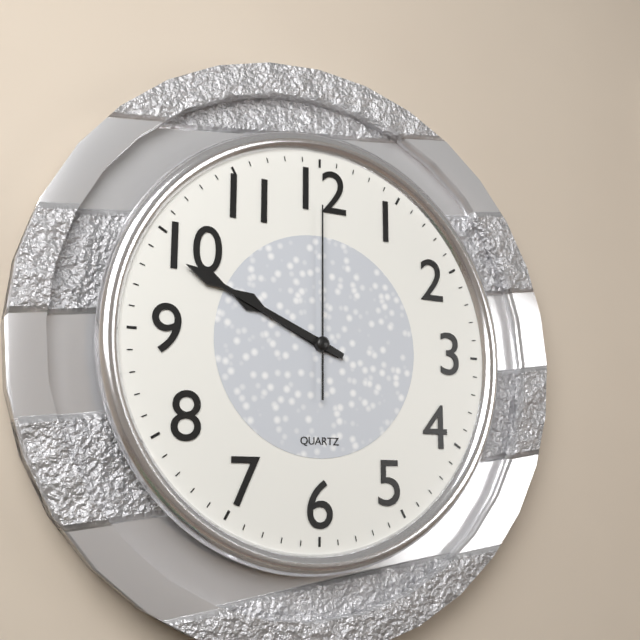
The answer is 9,49,00
